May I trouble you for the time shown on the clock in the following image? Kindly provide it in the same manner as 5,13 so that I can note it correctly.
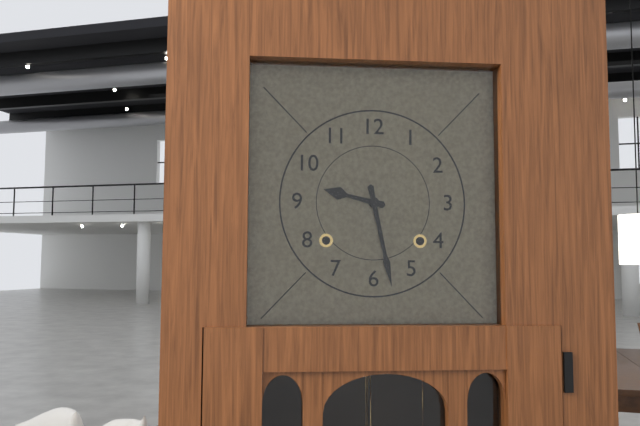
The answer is 9,28
